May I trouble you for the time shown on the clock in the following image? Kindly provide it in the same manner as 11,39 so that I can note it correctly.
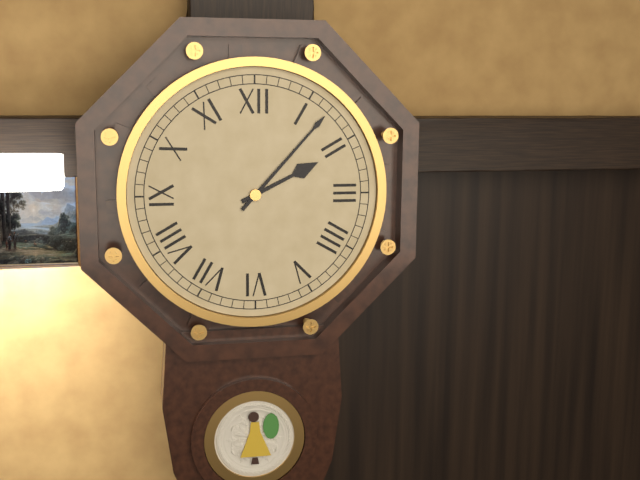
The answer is 2,07
